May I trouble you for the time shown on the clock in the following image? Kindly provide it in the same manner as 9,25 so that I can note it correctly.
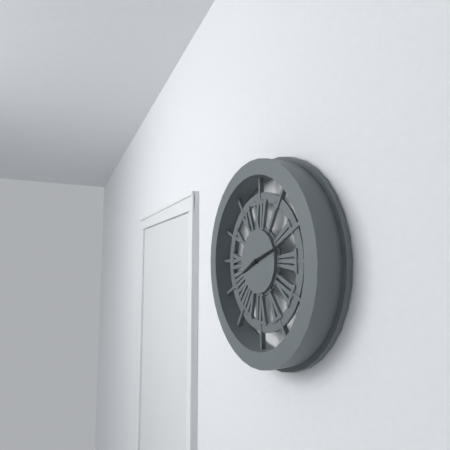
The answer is 8,12
